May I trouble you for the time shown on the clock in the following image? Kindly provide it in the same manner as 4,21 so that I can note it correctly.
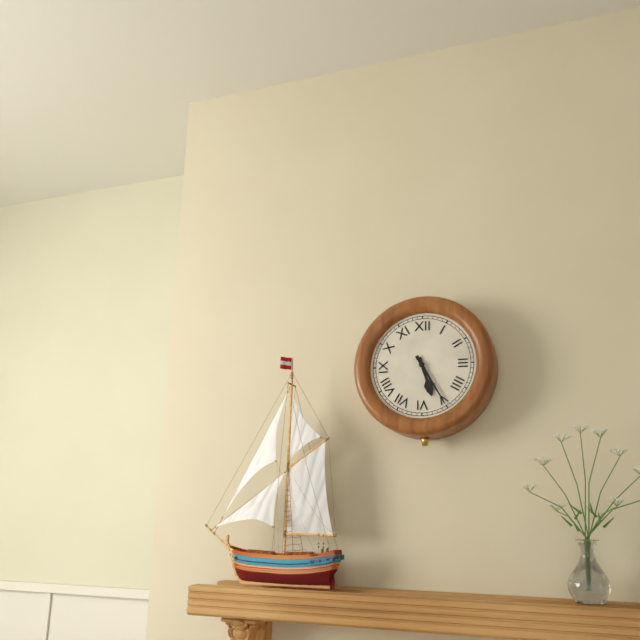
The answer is 5,25
